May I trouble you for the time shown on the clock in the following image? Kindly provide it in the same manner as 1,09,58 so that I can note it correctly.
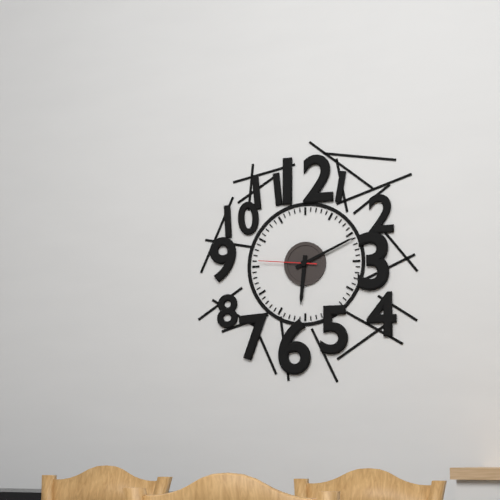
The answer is 6,11,46
